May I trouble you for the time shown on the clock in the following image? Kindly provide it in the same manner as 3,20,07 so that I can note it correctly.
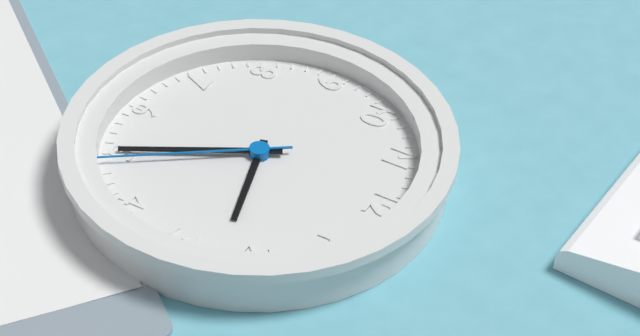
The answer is 2,25,24
